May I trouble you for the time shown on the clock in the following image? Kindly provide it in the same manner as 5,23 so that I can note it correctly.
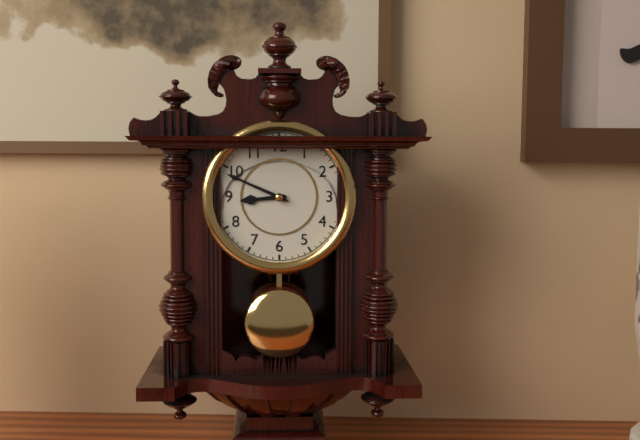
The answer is 8,49
